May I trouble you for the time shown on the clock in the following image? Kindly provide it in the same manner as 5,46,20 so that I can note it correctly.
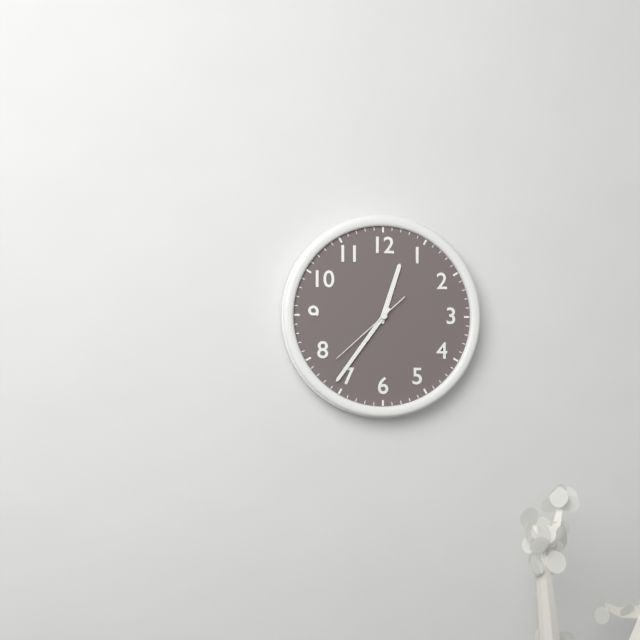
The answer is 12,36,38
